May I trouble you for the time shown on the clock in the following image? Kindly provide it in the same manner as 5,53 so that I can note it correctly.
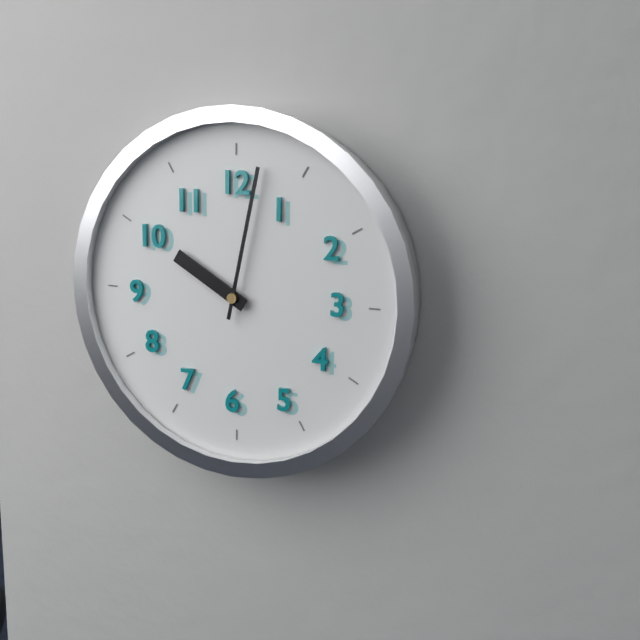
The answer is 10,02
